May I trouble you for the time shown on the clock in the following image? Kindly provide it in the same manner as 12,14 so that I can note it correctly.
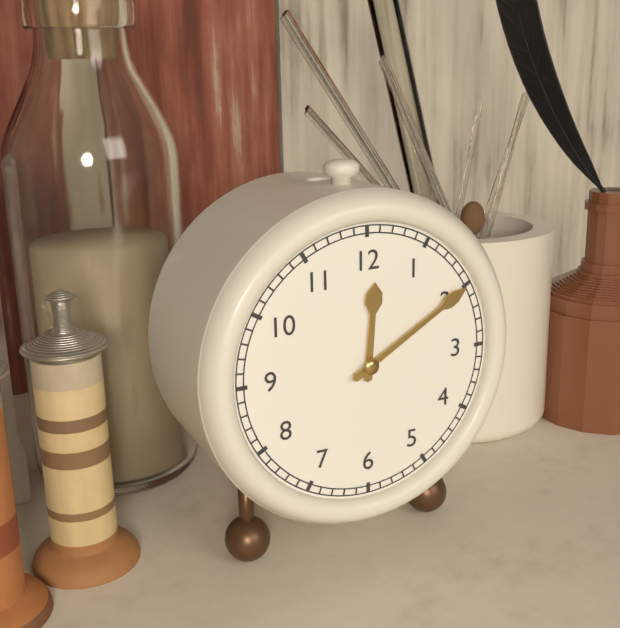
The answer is 12,10
